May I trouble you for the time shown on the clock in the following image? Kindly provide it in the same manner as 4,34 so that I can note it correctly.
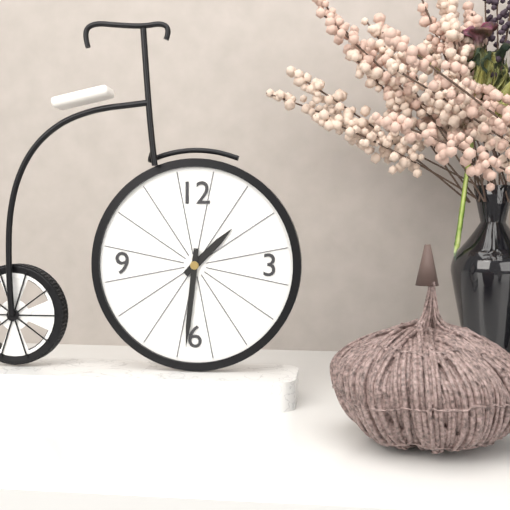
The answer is 1,31
